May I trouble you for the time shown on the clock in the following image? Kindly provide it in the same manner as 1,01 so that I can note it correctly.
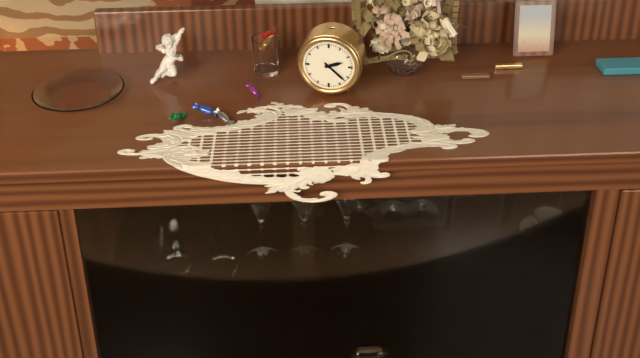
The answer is 2,22
